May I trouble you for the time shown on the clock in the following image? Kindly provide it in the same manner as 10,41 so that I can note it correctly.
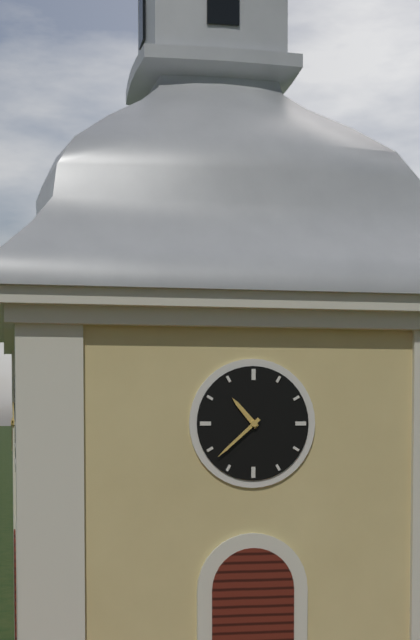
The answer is 10,38
